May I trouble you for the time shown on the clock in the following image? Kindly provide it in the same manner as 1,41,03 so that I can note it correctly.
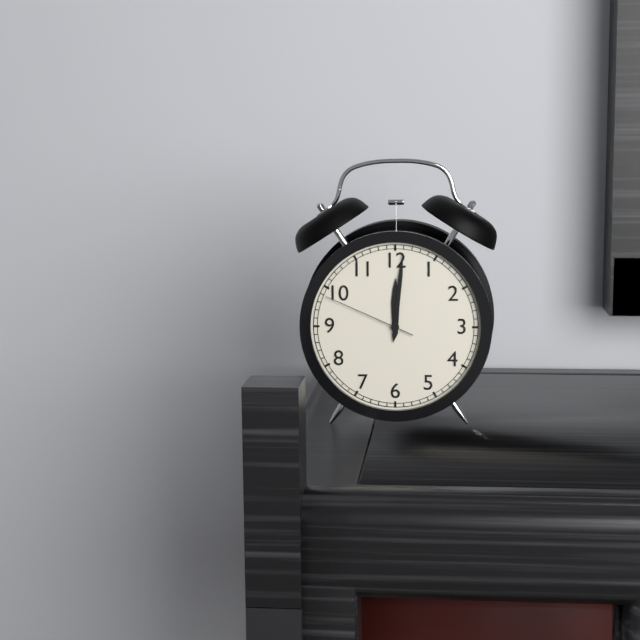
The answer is 12,01,49
